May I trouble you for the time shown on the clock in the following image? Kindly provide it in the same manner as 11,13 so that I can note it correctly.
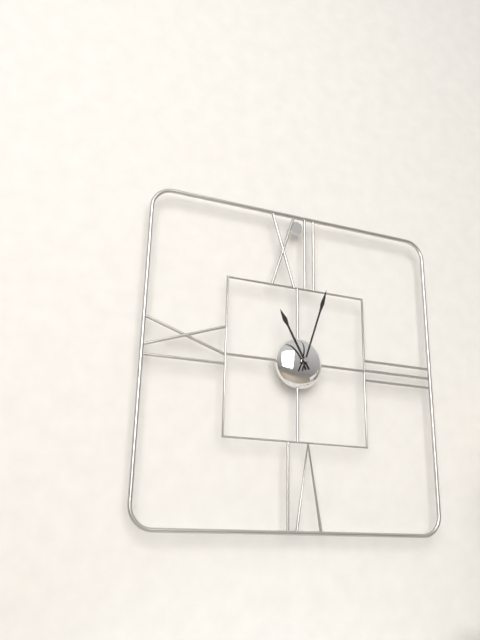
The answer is 11,03
